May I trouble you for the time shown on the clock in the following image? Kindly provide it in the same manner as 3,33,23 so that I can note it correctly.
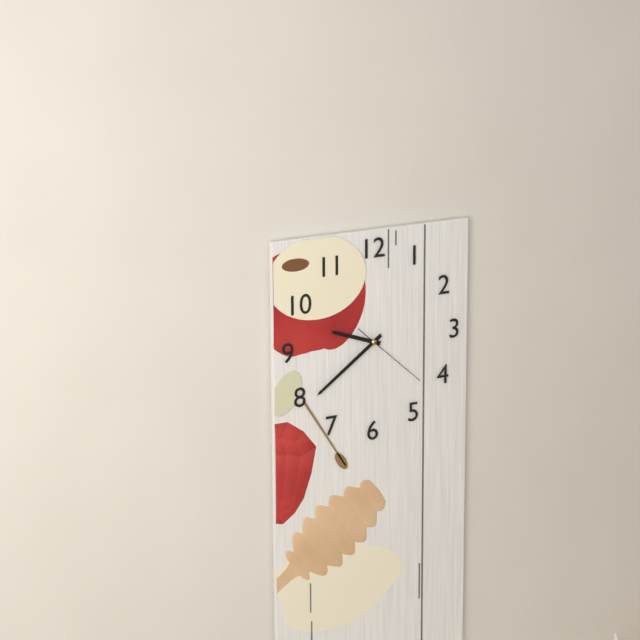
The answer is 9,39,22
